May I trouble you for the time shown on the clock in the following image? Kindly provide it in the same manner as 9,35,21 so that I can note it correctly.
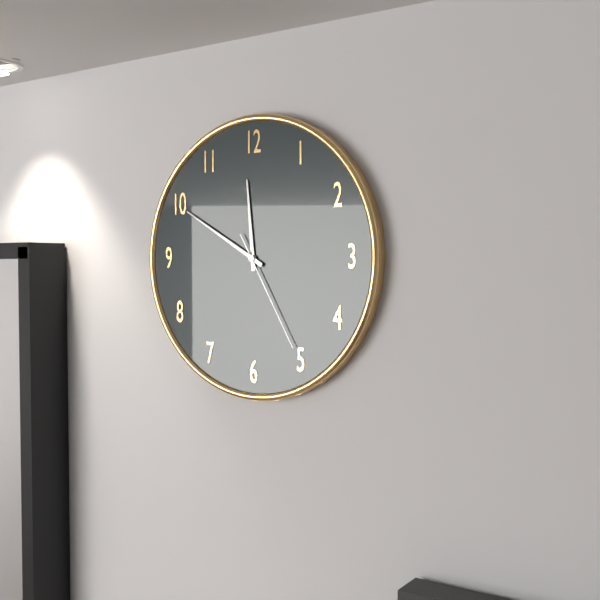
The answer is 11,50,25
